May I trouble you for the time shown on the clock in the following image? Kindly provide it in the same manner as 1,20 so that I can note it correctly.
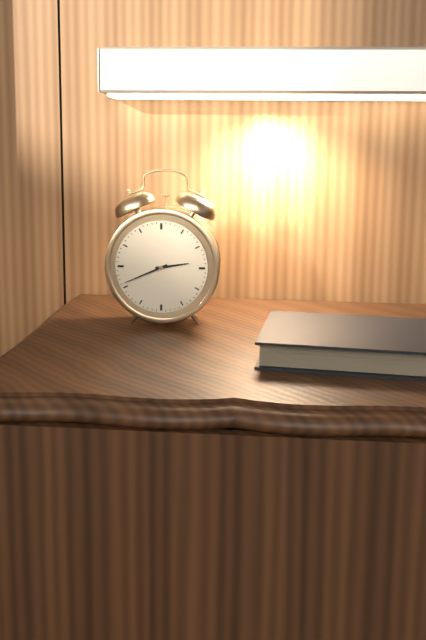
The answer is 2,41
